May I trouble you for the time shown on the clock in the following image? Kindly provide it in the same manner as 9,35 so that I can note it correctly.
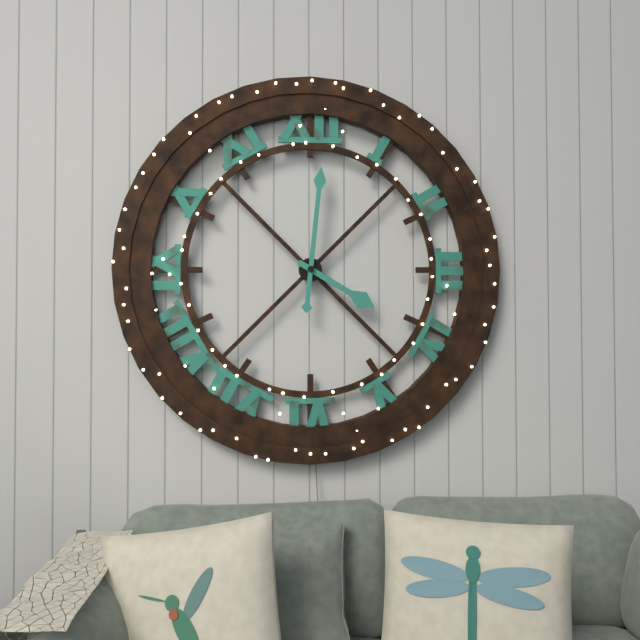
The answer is 4,01
